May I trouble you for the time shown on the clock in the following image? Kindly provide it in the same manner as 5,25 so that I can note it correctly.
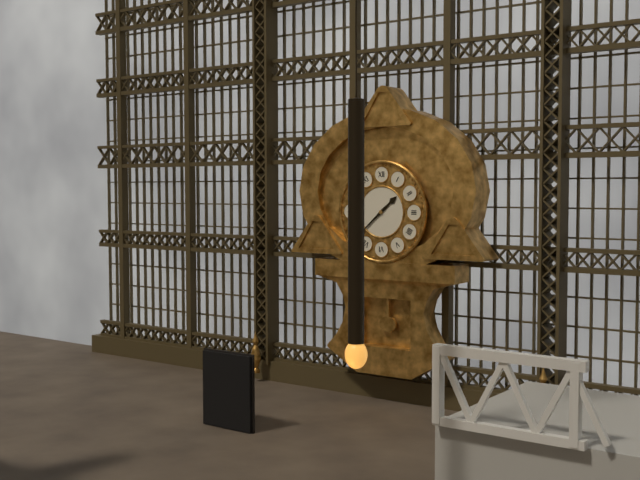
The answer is 1,38
